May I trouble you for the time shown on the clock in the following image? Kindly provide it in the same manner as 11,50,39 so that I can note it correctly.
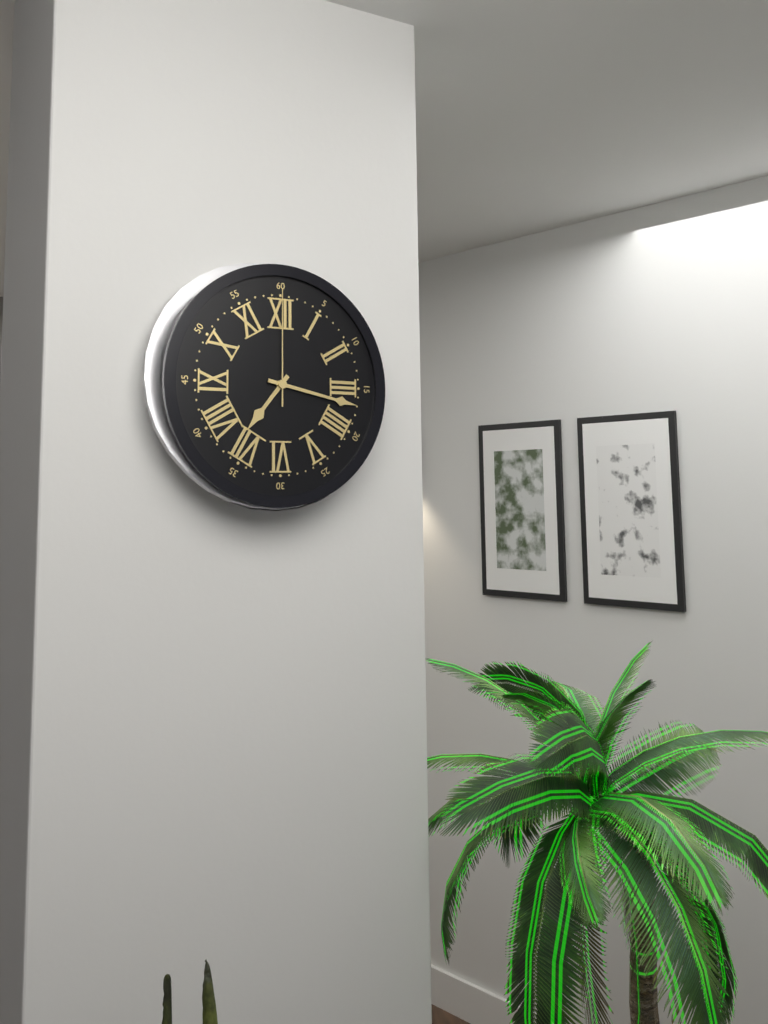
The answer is 7,17,00
